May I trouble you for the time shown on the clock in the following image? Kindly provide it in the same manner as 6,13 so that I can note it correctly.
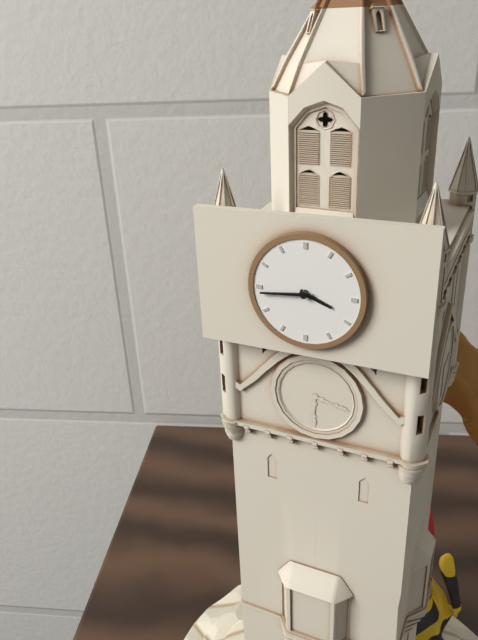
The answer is 3,44
